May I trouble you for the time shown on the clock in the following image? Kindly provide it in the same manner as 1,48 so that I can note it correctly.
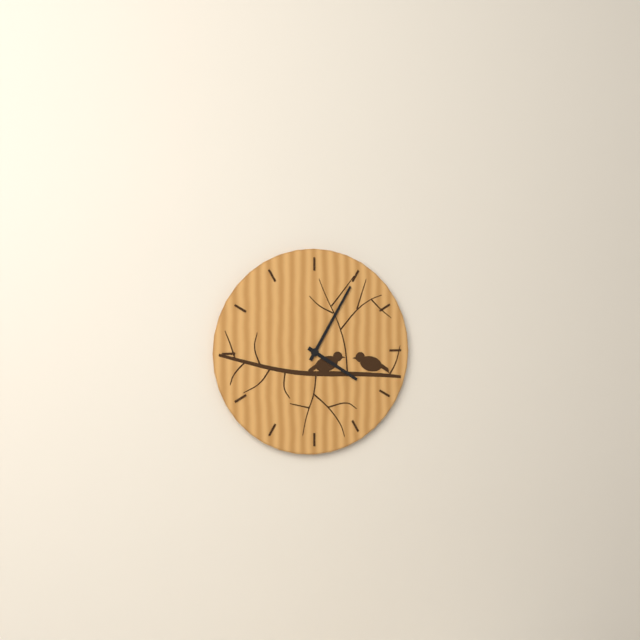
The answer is 4,05
